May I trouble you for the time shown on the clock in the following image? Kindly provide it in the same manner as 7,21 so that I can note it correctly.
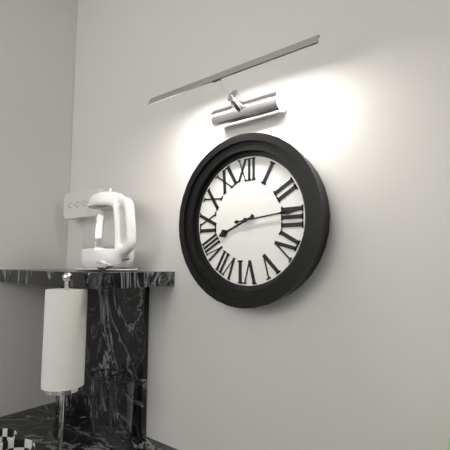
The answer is 8,14
